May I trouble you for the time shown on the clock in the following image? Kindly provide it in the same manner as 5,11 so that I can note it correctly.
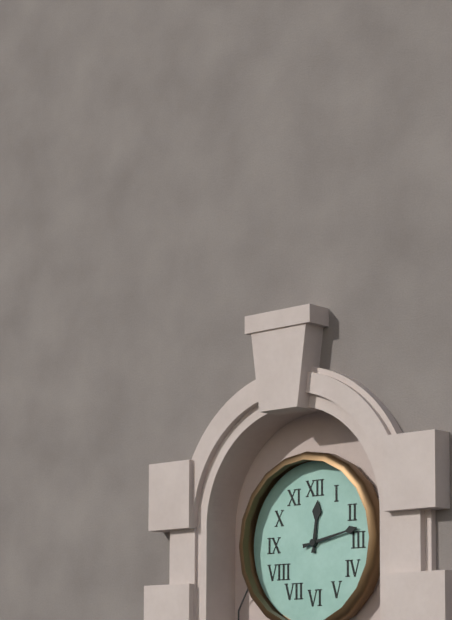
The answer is 12,13
